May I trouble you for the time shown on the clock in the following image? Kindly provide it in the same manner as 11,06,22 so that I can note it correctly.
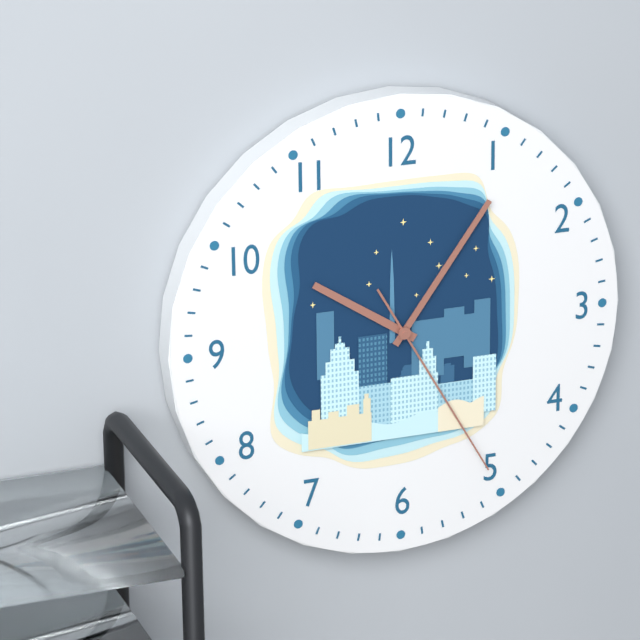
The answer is 10,06,25
